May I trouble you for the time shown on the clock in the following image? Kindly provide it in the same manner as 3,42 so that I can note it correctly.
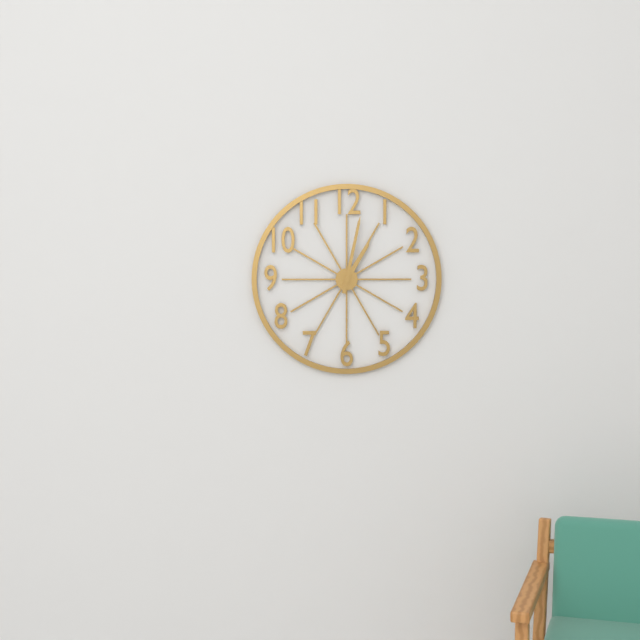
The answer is 1,02
